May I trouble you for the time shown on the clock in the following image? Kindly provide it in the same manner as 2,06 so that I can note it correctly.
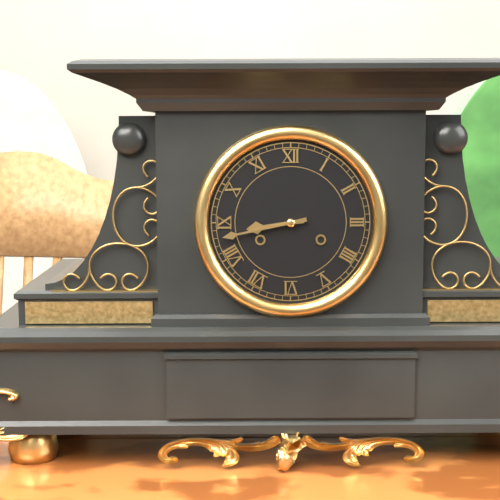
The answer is 8,43
